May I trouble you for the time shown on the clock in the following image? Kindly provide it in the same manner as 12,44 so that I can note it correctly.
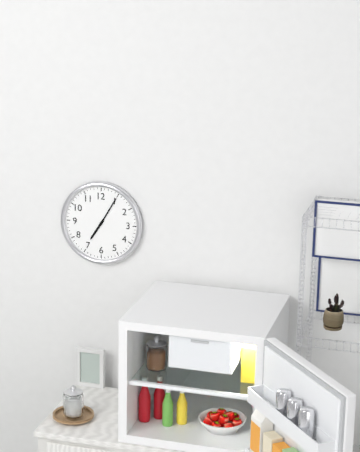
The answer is 7,05
